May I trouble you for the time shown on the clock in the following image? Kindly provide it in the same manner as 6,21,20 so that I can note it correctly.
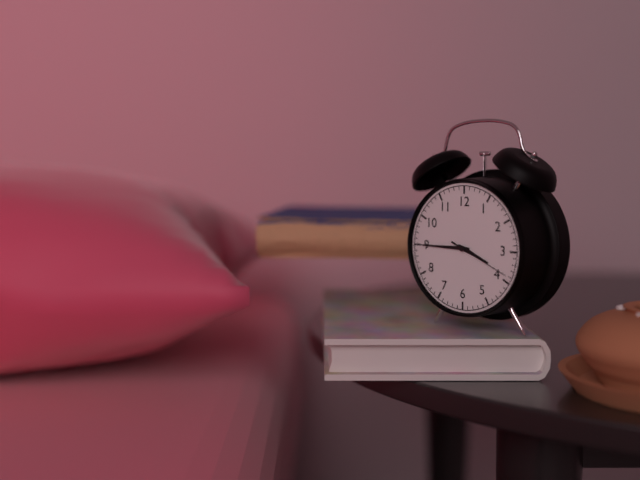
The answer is 3,45,19
